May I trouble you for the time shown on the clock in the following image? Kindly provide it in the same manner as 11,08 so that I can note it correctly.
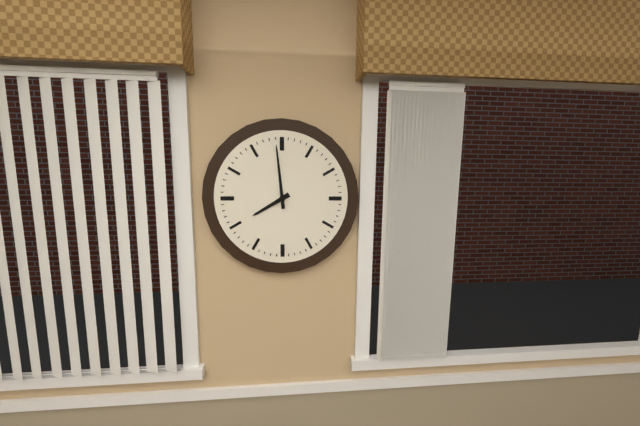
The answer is 7,59
